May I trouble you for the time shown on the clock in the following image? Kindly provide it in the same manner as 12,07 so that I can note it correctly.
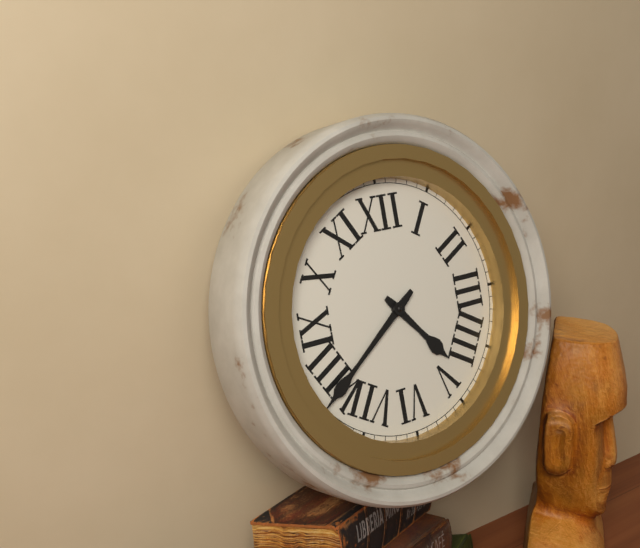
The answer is 4,39
